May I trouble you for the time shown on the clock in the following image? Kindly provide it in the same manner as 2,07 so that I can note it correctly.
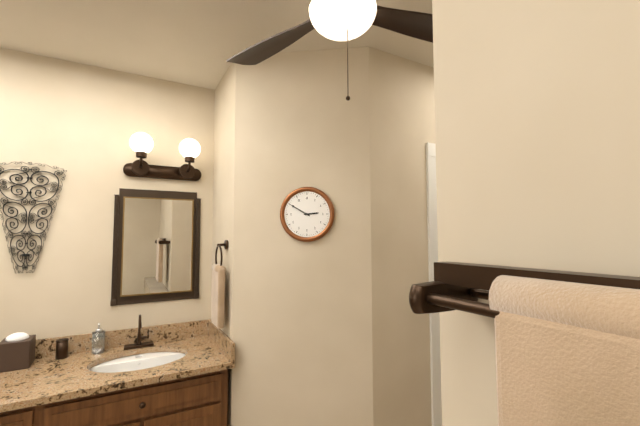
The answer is 2,50
